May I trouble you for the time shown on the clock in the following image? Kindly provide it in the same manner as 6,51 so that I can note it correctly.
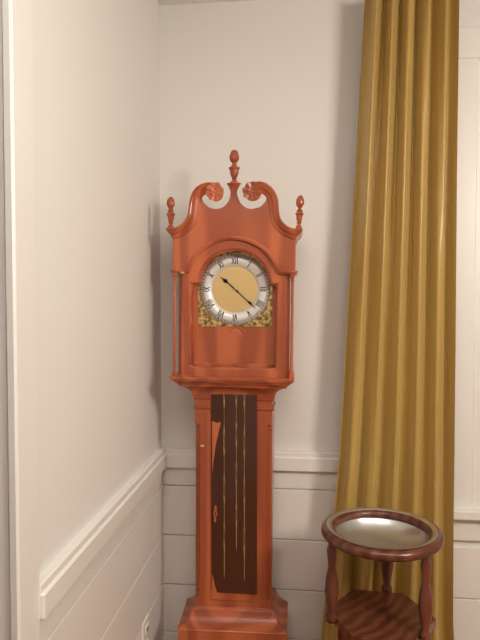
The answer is 10,22
